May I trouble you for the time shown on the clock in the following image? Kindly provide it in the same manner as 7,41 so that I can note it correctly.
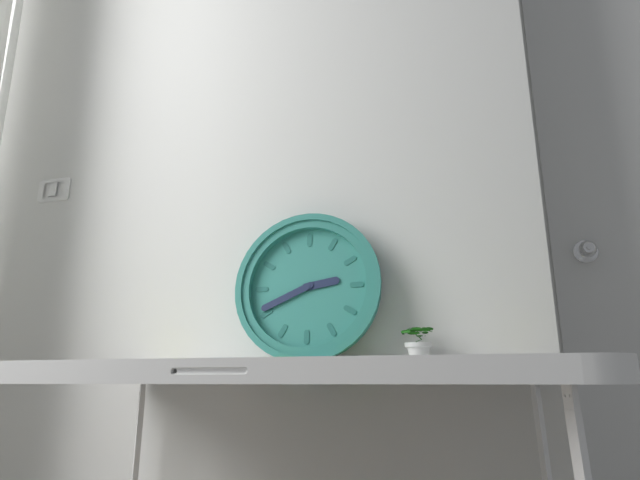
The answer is 2,41
